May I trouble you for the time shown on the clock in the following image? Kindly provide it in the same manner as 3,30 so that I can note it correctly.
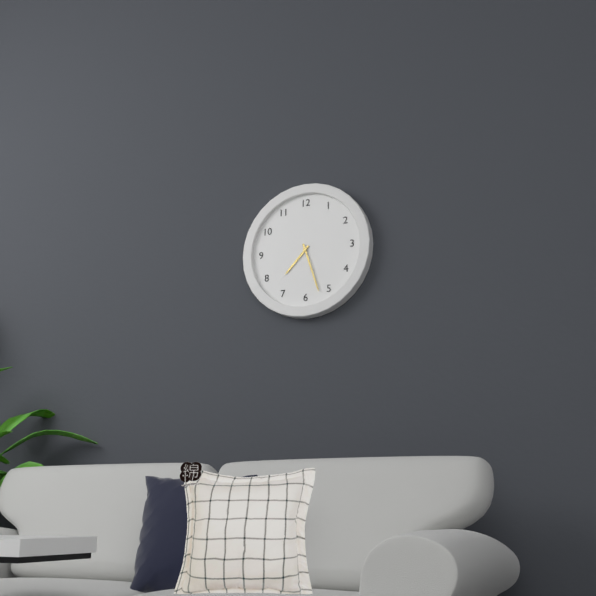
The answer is 7,27
